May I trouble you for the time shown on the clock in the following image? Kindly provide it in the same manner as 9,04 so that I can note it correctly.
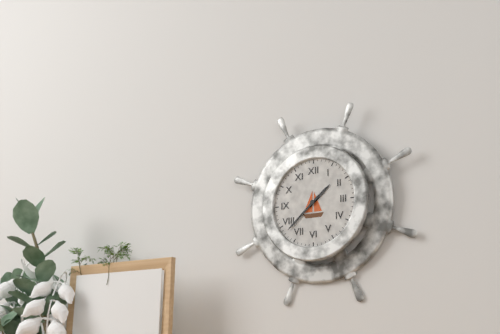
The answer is 1,38
